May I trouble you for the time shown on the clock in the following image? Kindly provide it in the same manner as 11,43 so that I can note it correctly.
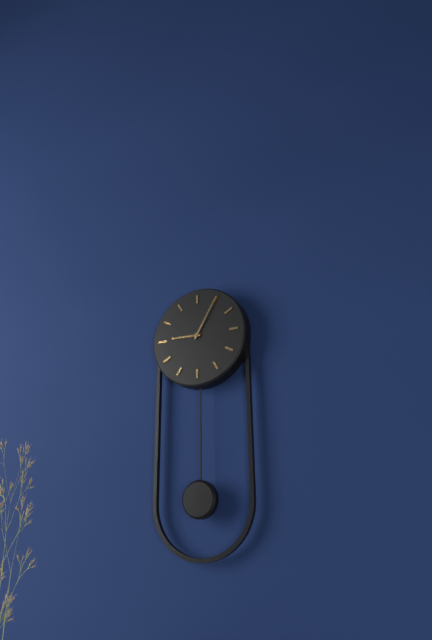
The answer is 9,05
